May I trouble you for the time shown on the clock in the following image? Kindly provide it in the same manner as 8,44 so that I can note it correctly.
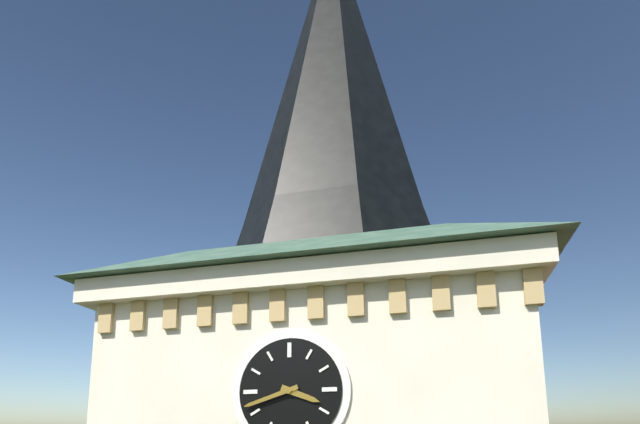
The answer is 3,42
